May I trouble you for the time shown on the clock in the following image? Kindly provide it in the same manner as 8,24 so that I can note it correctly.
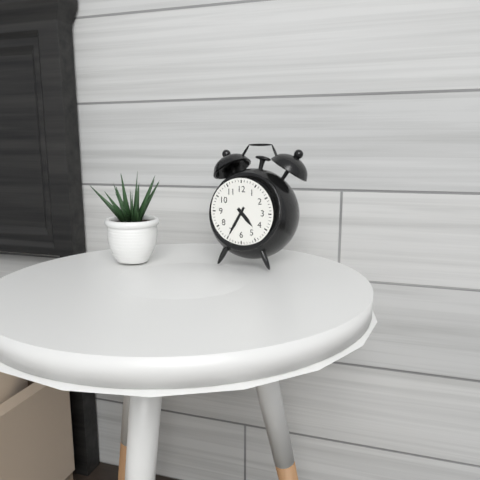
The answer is 4,35
